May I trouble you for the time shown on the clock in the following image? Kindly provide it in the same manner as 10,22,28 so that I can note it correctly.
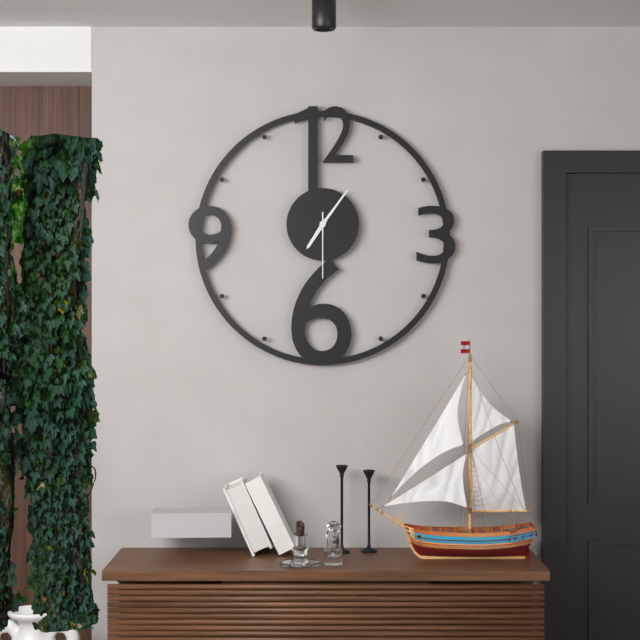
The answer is 7,06,30
